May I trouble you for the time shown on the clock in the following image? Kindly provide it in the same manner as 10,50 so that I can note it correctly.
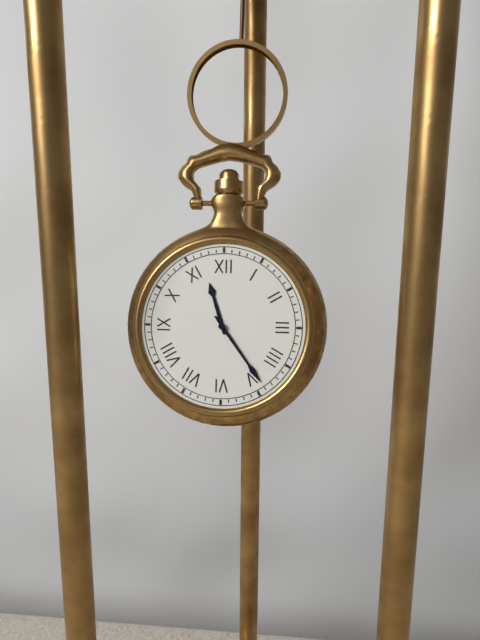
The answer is 11,24
